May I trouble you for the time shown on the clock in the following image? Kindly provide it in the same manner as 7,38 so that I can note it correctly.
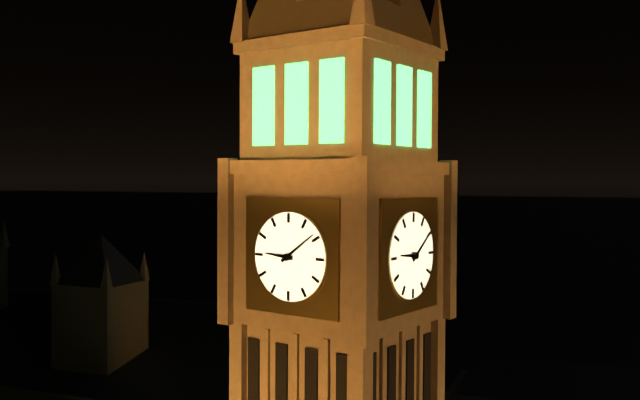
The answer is 9,09
